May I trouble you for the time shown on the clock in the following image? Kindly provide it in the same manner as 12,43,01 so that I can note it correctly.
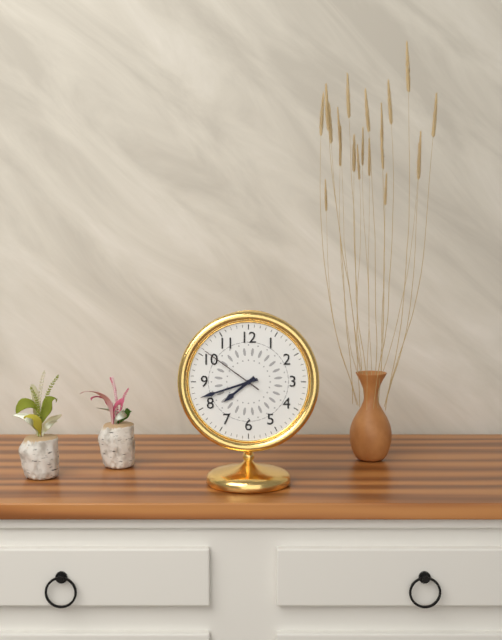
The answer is 7,42,51
